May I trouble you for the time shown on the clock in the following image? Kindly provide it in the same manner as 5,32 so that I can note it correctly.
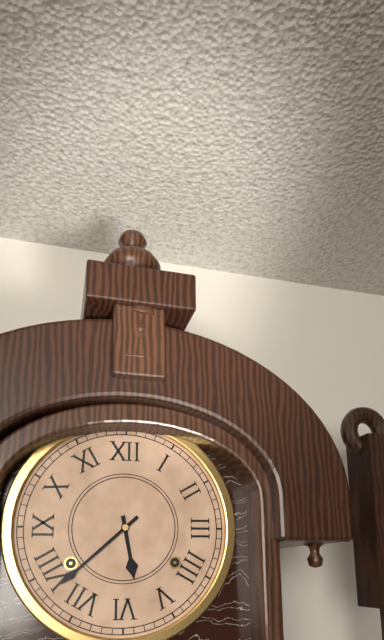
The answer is 5,38
